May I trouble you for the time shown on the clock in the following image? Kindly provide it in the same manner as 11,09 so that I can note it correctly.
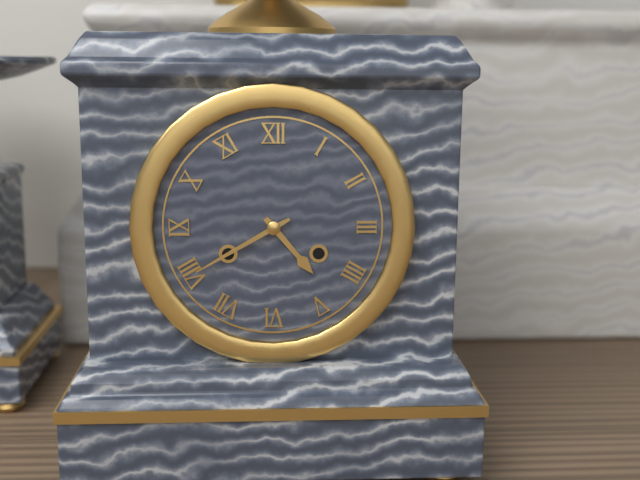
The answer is 4,40
